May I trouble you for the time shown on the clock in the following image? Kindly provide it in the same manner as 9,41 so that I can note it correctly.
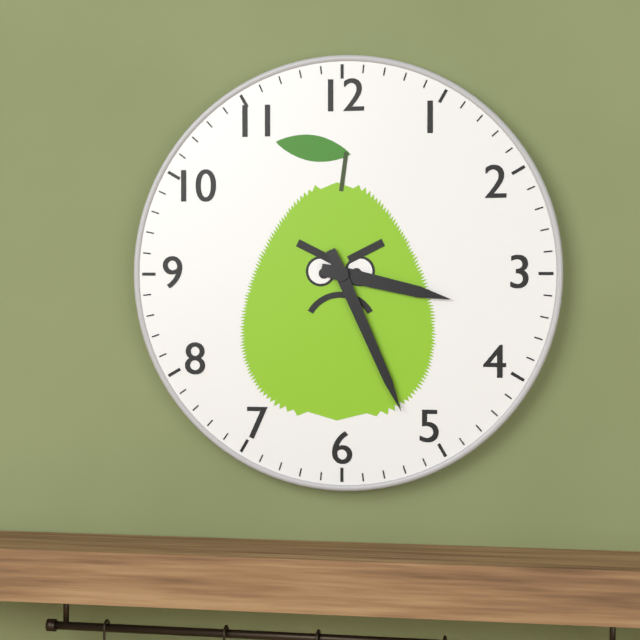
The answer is 3,26
